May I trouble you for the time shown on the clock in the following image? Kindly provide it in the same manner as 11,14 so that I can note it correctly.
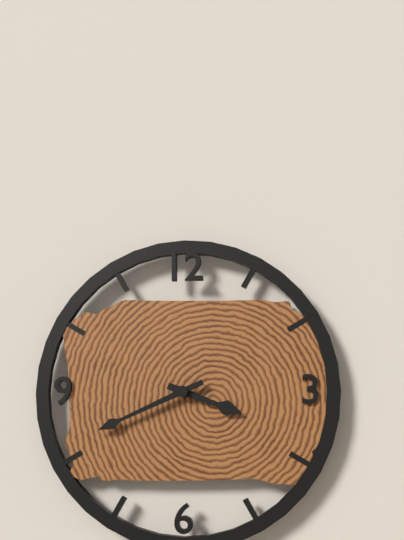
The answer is 3,41
